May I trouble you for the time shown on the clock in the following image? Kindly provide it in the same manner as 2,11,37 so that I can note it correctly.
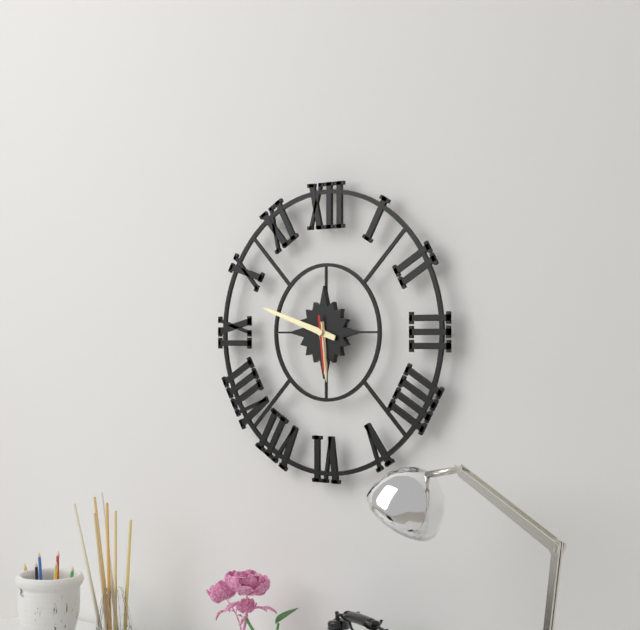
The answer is 5,48,29
